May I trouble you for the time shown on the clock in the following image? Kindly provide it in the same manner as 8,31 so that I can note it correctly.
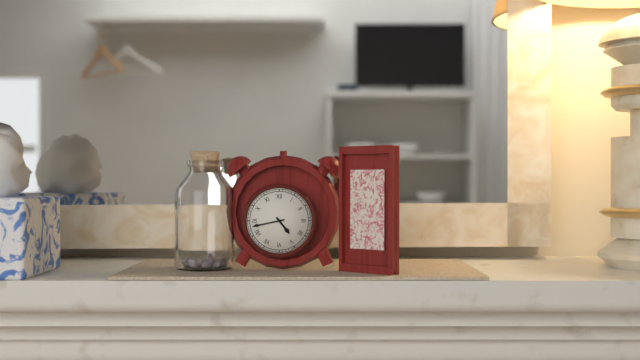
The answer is 4,43
